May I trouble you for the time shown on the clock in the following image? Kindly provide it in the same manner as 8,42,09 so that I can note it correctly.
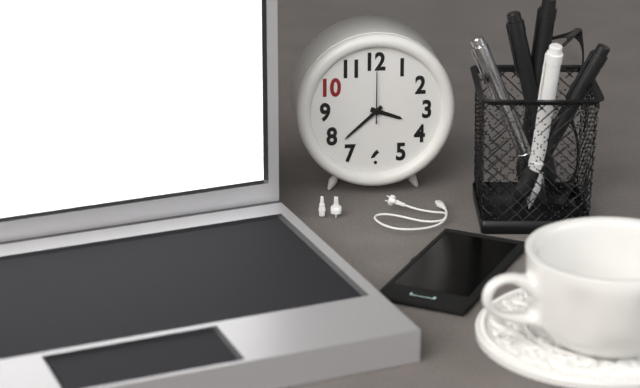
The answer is 3,38,00
